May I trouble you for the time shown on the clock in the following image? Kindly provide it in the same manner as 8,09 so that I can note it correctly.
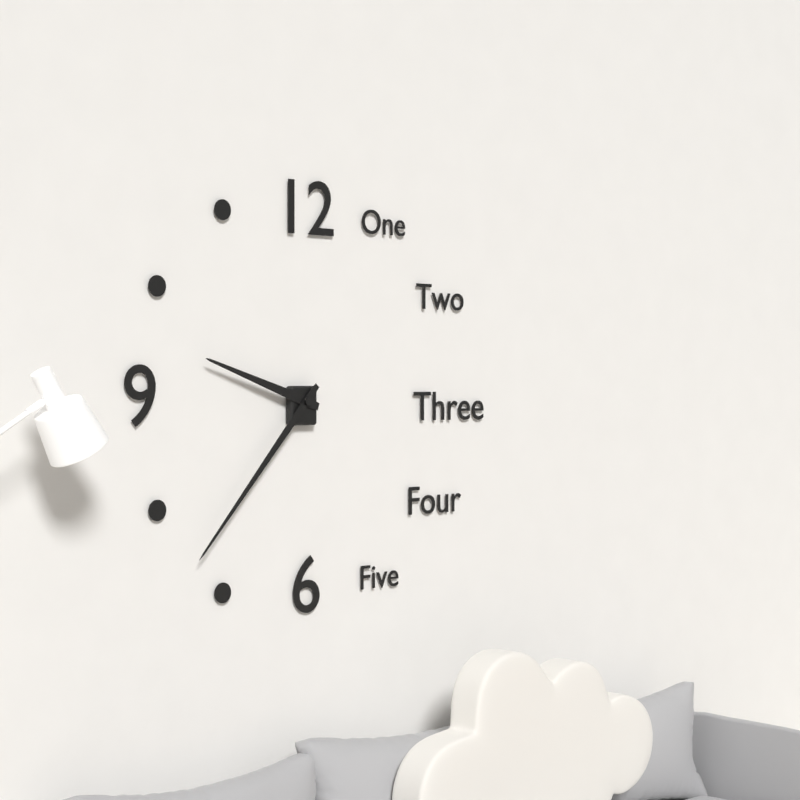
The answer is 9,37
